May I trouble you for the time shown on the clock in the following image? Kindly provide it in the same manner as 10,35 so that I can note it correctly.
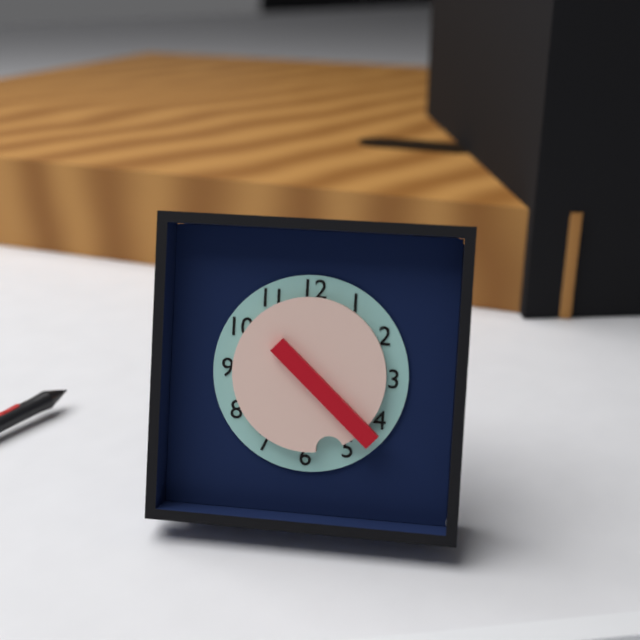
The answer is 5,22
